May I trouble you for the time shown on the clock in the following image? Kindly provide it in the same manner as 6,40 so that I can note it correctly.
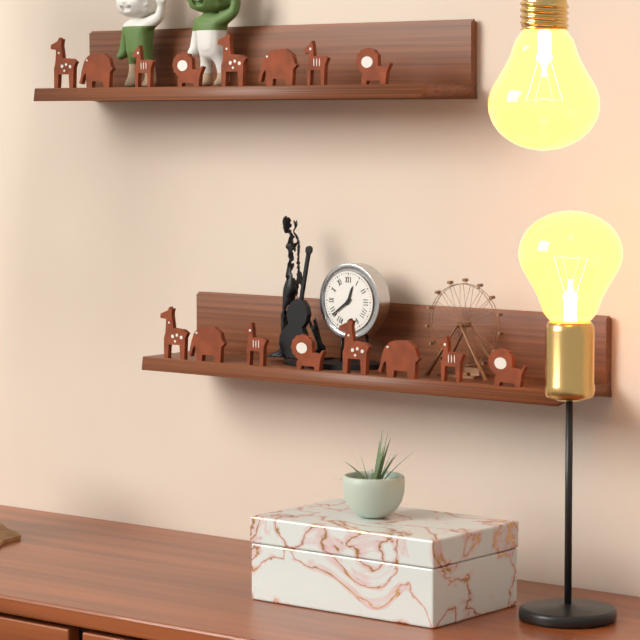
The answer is 12,39
